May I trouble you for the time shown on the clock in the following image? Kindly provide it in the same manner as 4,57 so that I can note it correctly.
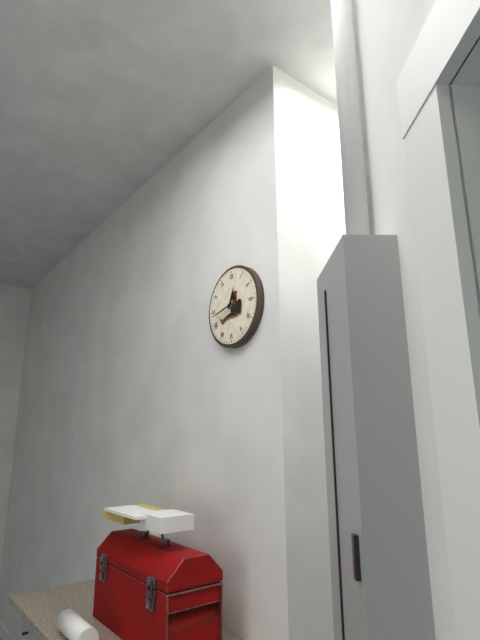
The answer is 12,43
